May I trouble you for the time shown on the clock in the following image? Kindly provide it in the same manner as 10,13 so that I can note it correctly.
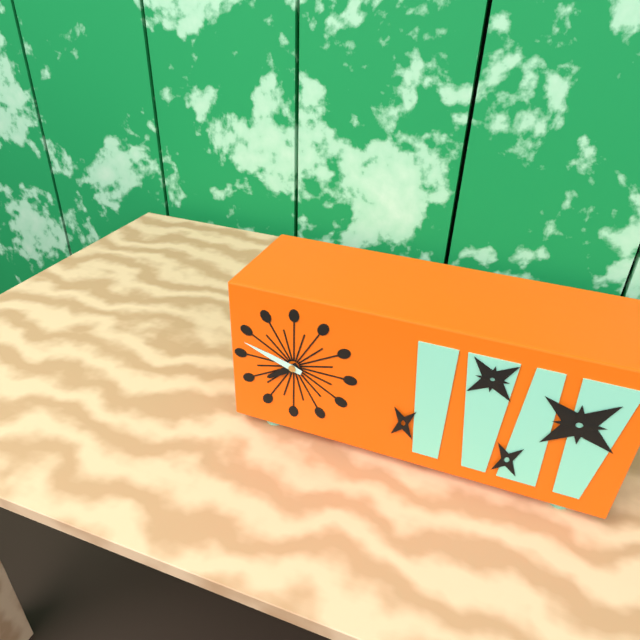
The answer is 7,48
